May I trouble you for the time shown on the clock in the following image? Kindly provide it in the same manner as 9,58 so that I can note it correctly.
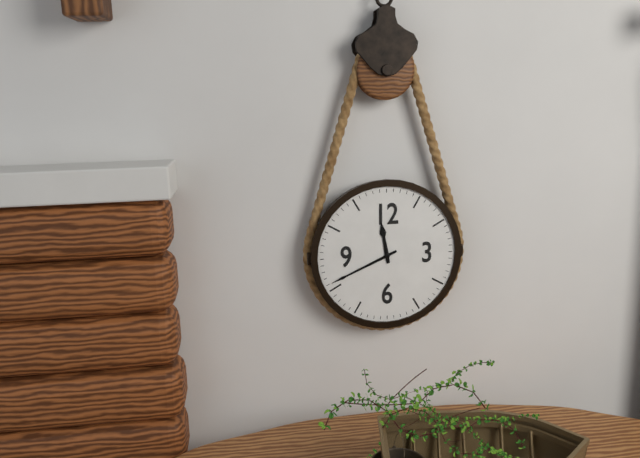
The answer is 11,41
